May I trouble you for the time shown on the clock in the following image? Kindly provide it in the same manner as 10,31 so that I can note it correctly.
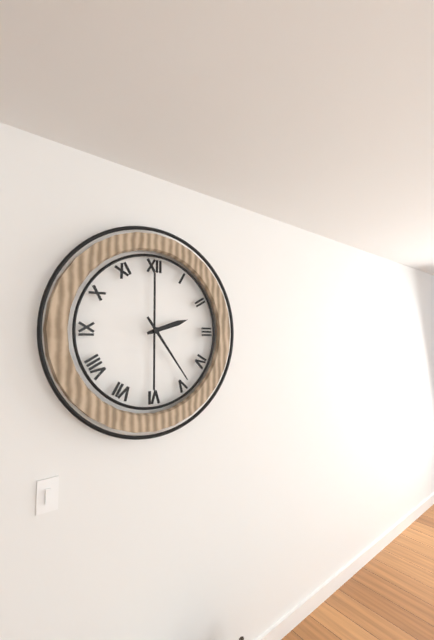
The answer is 2,24
